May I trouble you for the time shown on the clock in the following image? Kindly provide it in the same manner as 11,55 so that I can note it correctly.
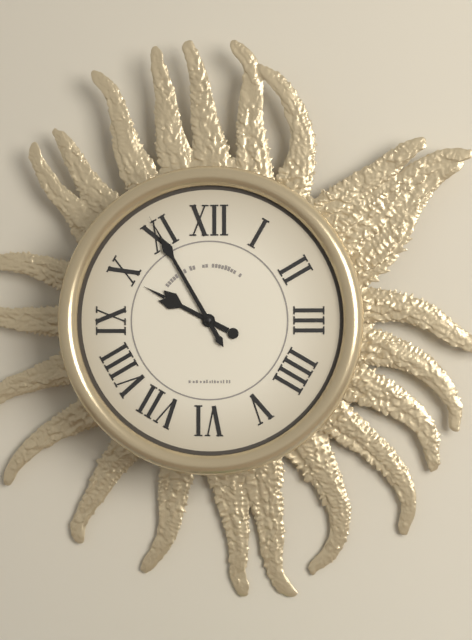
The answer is 9,55
